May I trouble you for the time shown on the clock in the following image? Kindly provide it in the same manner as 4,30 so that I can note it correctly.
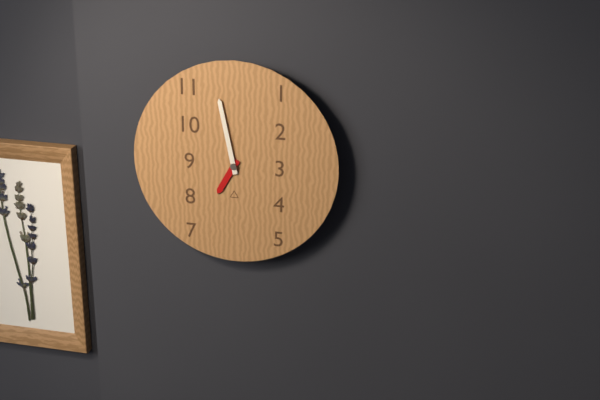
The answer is 6,58
